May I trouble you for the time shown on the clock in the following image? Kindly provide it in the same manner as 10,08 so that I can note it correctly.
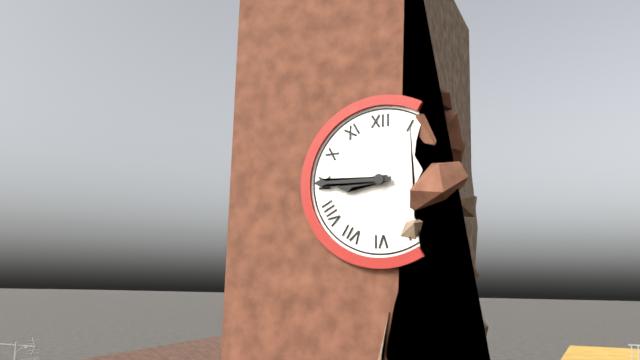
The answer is 8,45
